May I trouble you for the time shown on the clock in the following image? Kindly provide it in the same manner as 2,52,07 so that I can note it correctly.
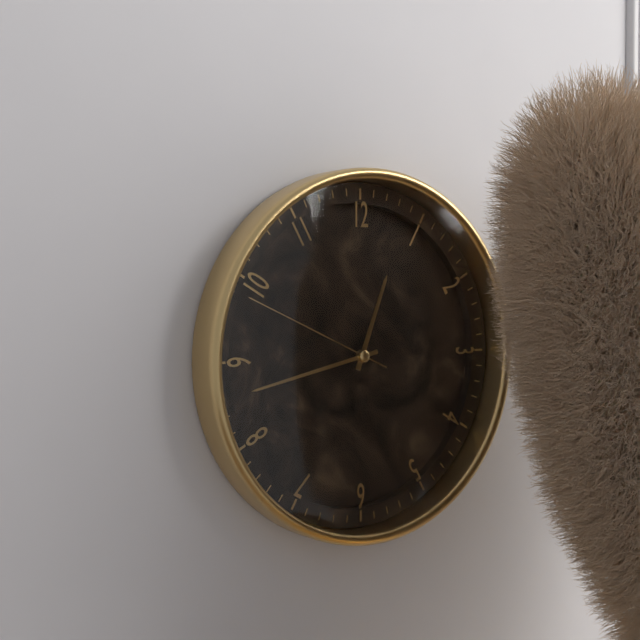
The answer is 12,43,49
